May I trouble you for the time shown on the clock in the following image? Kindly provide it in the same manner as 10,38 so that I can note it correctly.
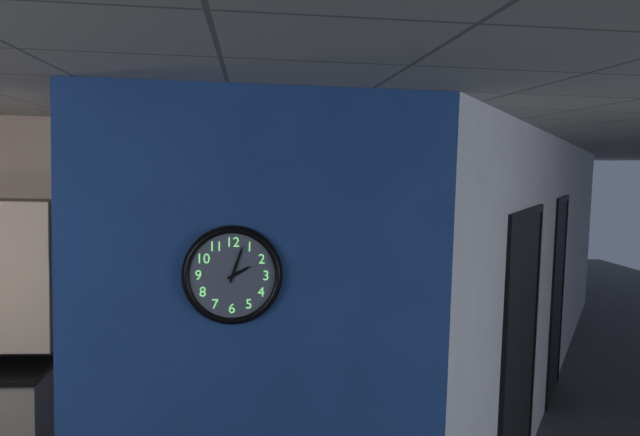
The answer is 2,03
